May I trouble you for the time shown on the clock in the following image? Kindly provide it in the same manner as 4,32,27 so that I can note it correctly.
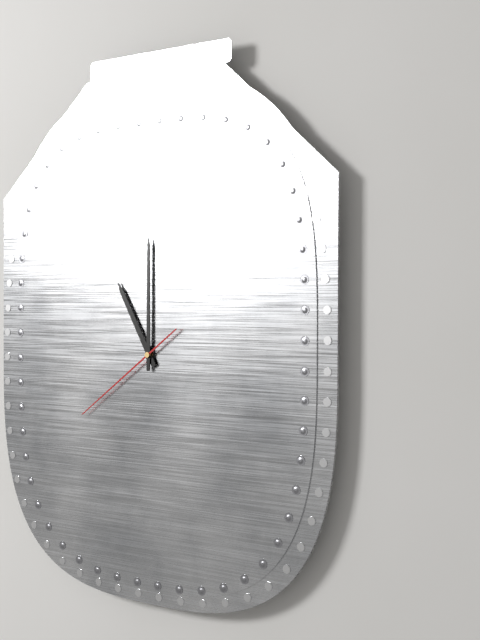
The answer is 11,00,39
